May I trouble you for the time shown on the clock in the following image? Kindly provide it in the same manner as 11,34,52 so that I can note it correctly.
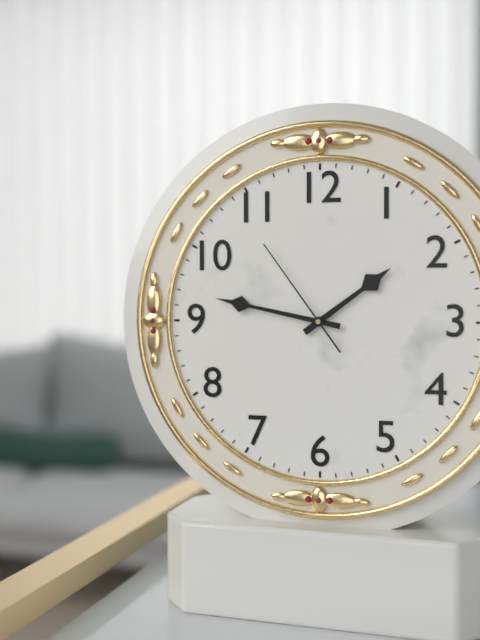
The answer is 1,47,54
